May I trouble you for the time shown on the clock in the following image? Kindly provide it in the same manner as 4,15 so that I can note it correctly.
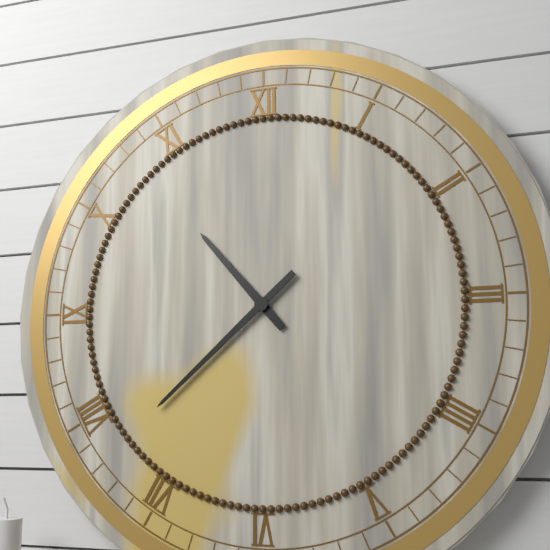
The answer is 10,38
